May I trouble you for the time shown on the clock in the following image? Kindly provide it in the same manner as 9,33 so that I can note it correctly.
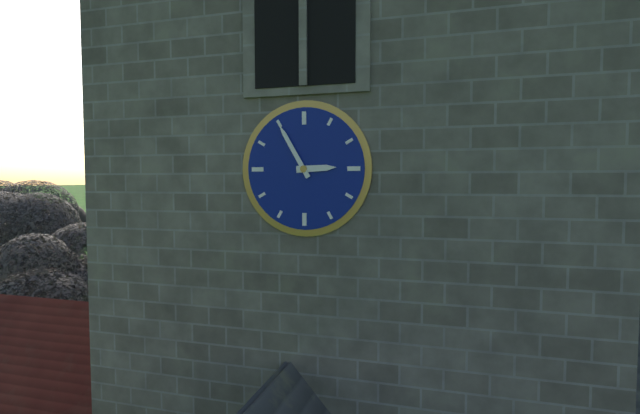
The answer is 2,55
